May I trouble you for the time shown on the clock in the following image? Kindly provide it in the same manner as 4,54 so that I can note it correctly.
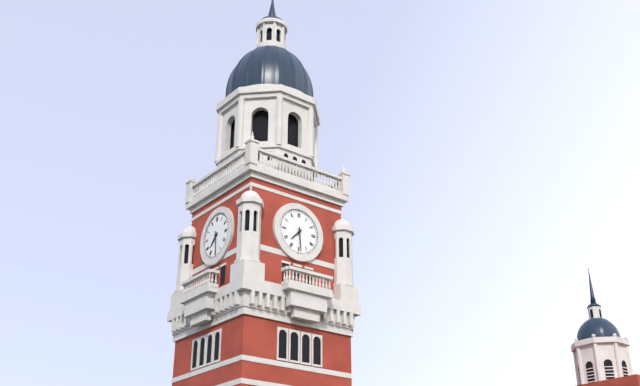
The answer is 7,29
